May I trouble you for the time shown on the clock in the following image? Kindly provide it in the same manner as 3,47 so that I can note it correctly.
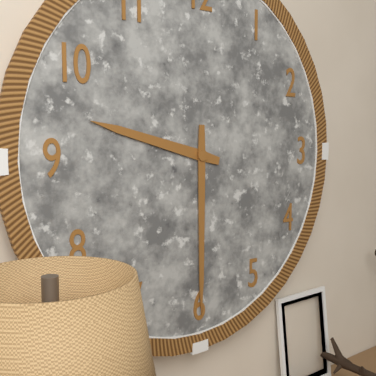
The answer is 9,30
